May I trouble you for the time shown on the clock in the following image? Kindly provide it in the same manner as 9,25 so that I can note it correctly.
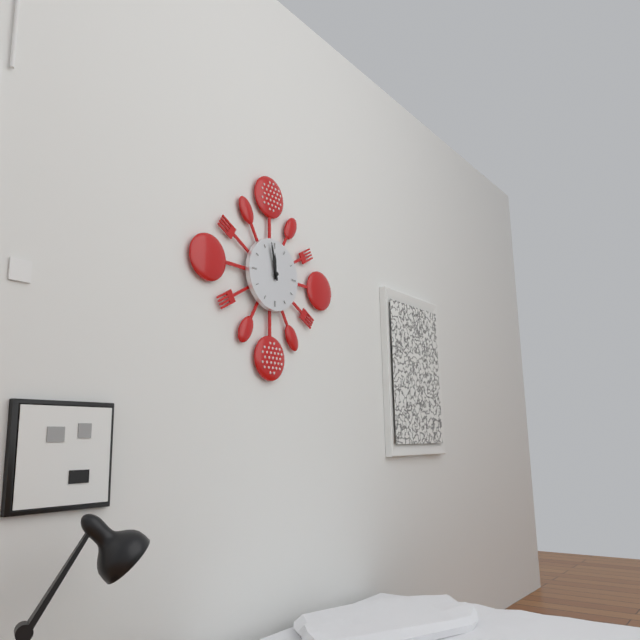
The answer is 11,58
